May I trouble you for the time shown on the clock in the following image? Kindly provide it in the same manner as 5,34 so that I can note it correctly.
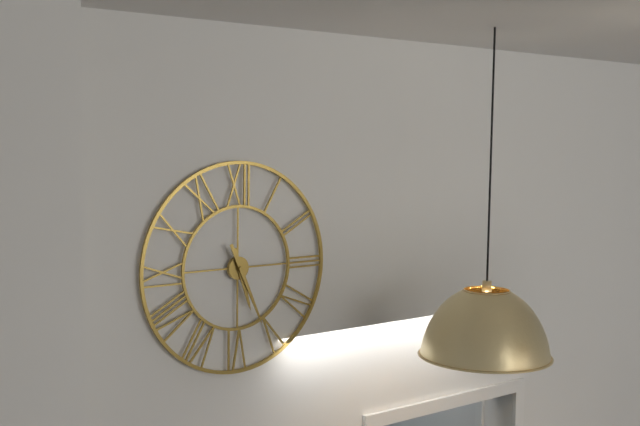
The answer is 5,26
